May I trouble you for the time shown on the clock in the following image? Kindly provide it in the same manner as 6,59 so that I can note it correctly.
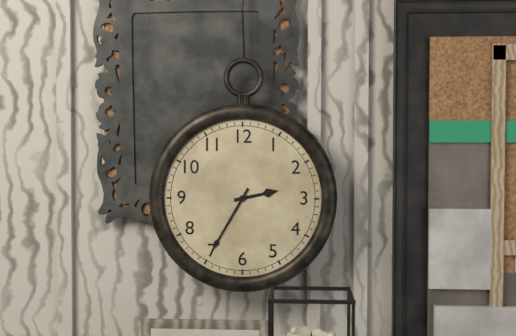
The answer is 2,35
